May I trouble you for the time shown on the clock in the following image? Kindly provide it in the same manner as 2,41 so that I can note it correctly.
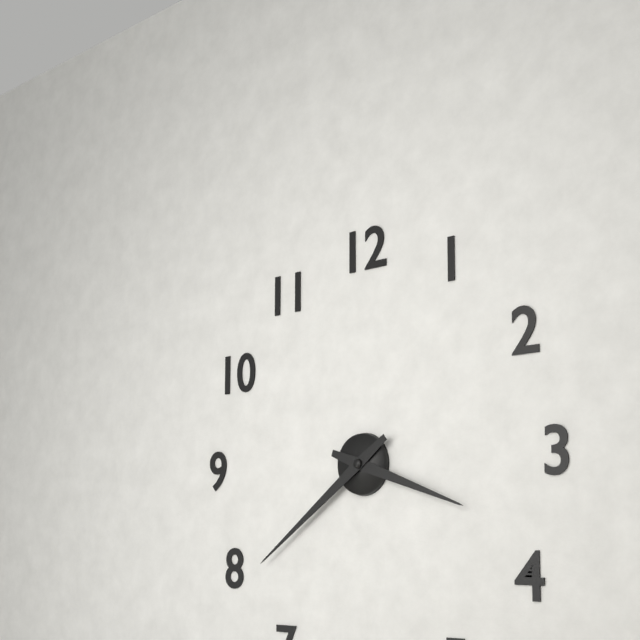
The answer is 3,39
